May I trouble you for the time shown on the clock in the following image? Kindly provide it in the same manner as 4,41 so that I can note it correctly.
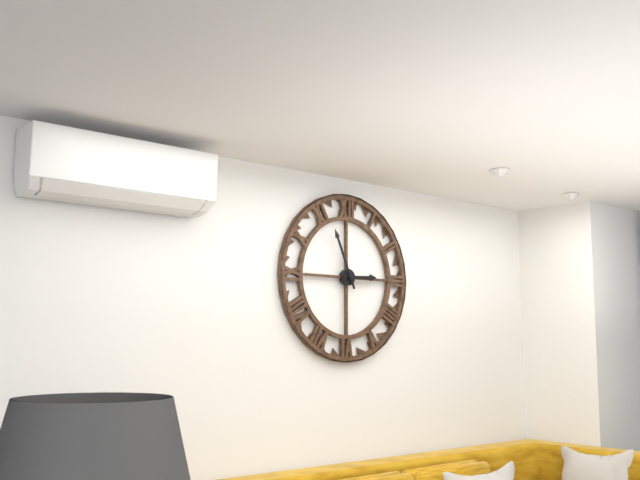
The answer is 2,56
